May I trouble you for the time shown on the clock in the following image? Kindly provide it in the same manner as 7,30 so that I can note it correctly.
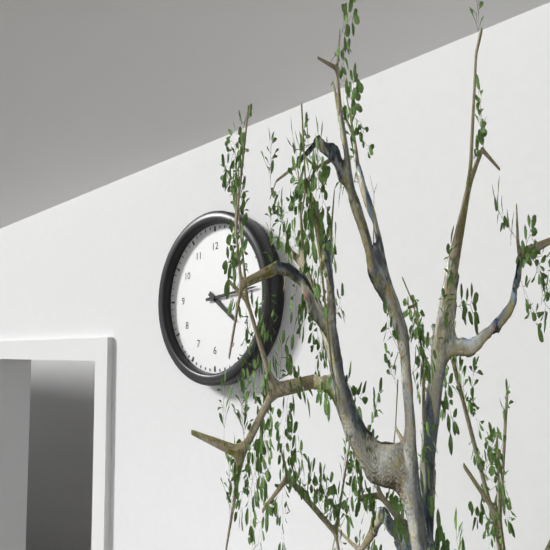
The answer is 4,14
